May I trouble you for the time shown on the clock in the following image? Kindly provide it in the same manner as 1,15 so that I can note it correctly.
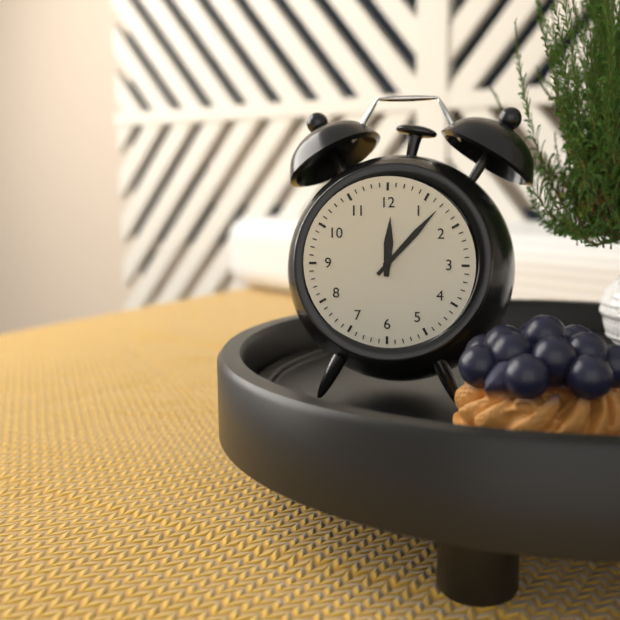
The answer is 12,07
